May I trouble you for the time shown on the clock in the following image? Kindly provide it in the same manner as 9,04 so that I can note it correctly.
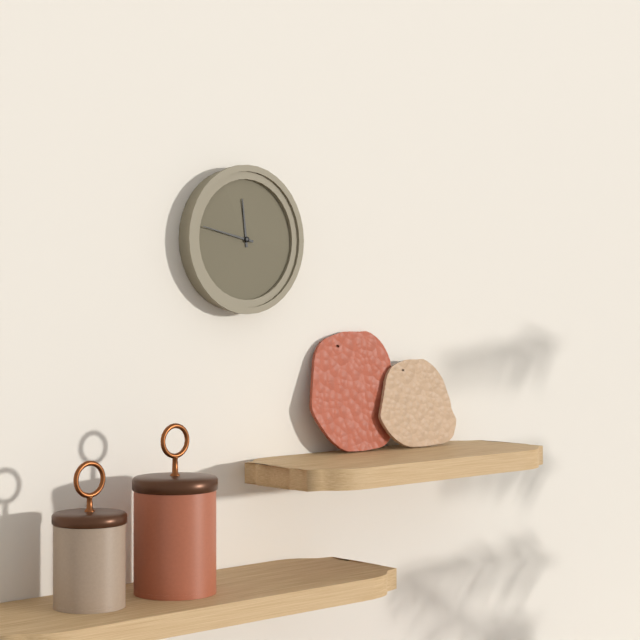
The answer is 11,47
